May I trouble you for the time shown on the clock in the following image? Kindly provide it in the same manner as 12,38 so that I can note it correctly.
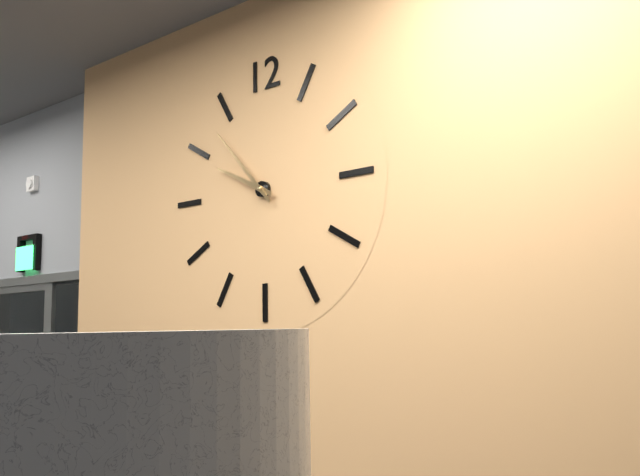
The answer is 9,53
